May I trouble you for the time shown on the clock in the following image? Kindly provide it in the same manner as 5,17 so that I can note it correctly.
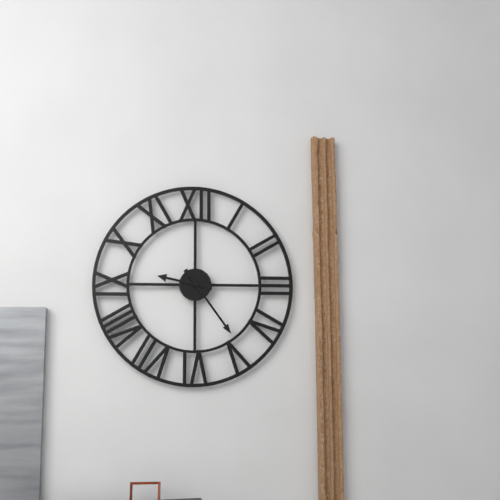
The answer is 9,24
